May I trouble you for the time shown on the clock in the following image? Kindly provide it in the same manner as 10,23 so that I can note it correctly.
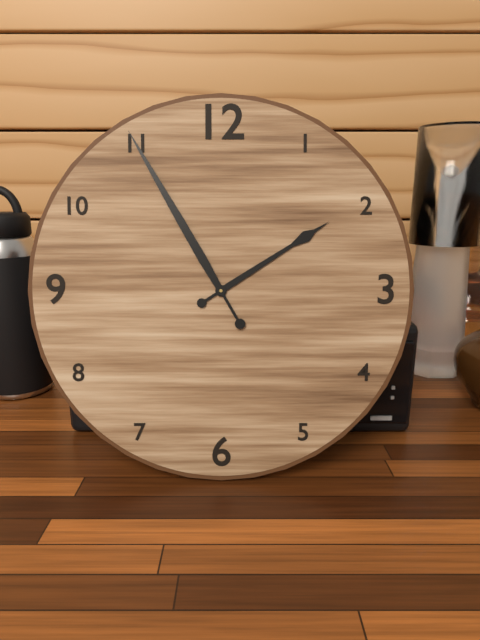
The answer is 1,55
